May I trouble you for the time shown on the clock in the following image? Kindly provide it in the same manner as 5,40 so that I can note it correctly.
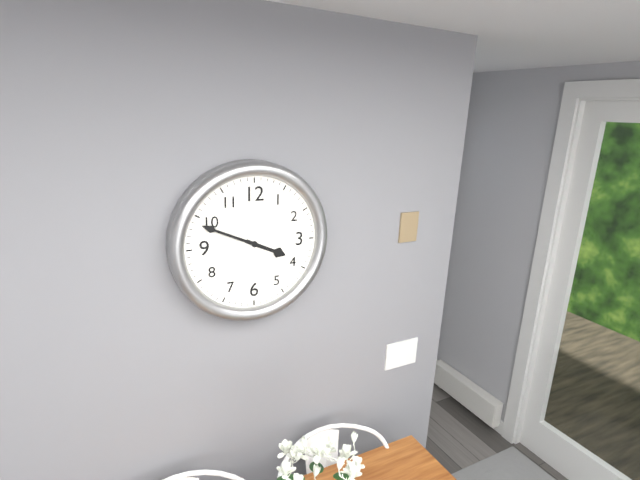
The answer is 3,49
